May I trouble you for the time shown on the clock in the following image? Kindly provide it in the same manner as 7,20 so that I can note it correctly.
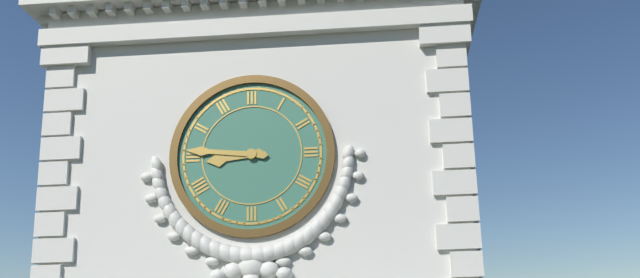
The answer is 8,46
